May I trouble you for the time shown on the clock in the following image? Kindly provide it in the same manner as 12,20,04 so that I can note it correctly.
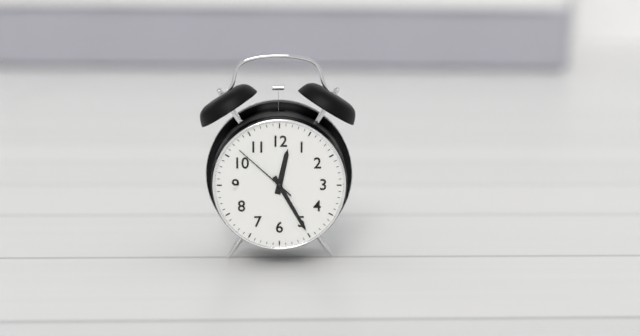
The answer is 12,25,52
